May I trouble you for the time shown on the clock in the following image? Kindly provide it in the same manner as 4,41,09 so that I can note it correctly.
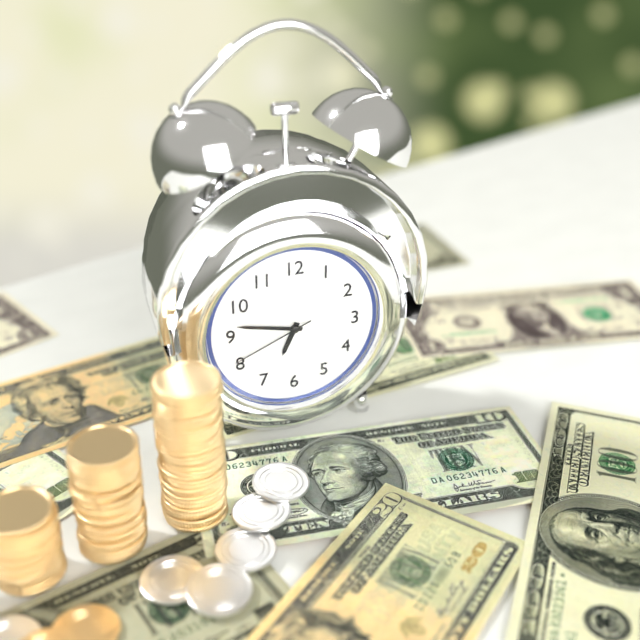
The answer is 6,47,41
